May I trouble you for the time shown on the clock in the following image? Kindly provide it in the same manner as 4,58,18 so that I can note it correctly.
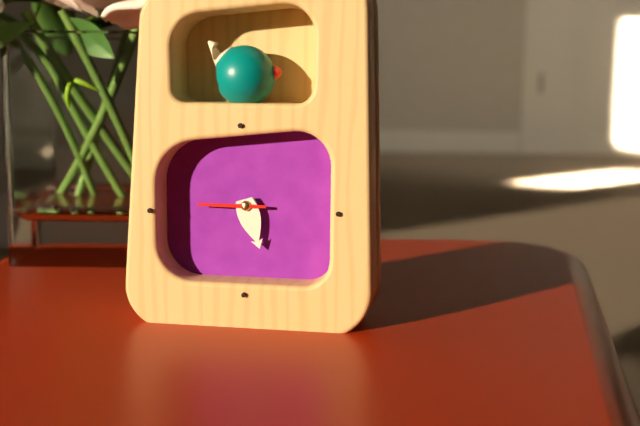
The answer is 5,27,45
